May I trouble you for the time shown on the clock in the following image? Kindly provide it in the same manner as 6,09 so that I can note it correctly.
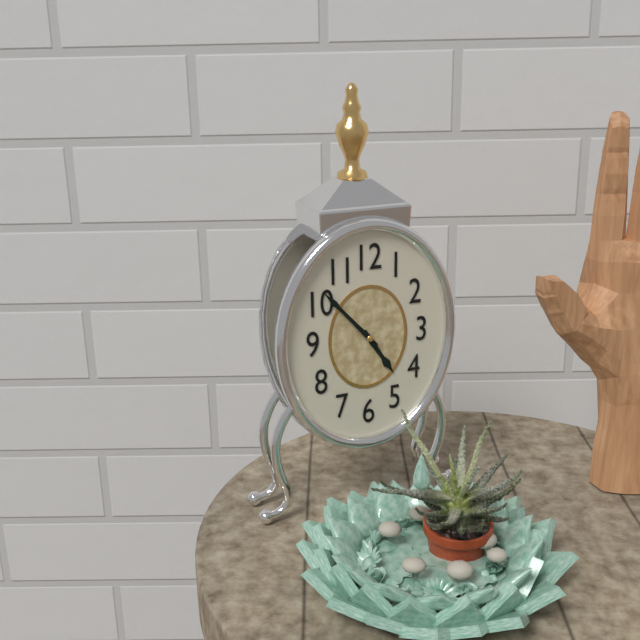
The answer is 4,53
